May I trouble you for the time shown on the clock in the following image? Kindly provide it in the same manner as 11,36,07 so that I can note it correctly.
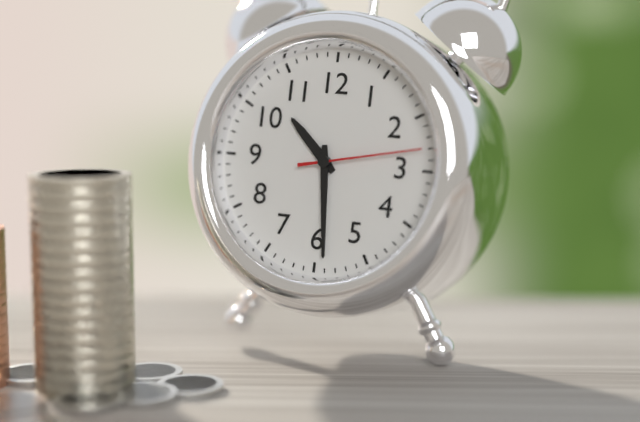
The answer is 10,29,13
